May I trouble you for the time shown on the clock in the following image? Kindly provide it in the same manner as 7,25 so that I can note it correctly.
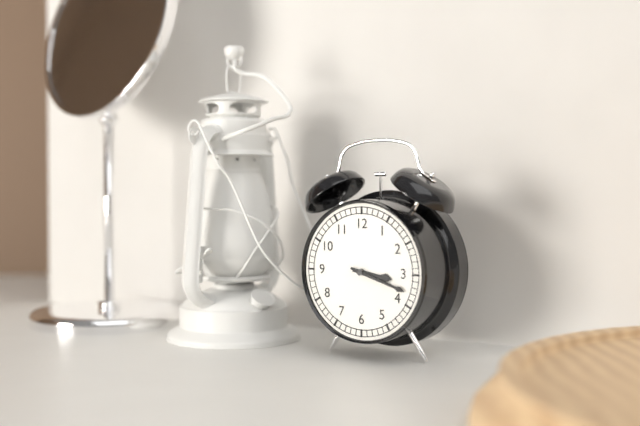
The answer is 3,18
